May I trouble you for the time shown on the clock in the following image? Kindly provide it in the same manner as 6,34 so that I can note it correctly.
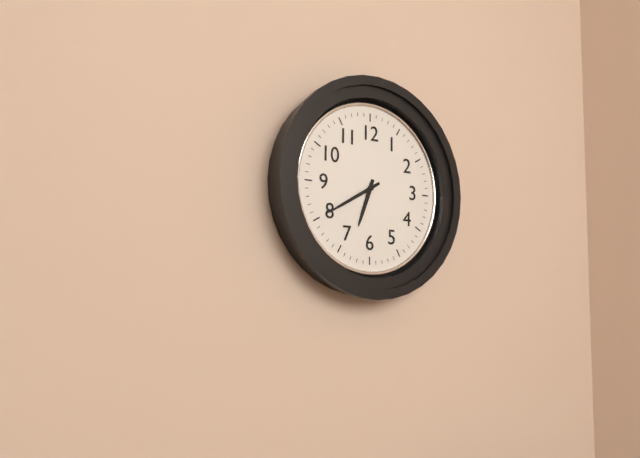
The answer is 6,40
